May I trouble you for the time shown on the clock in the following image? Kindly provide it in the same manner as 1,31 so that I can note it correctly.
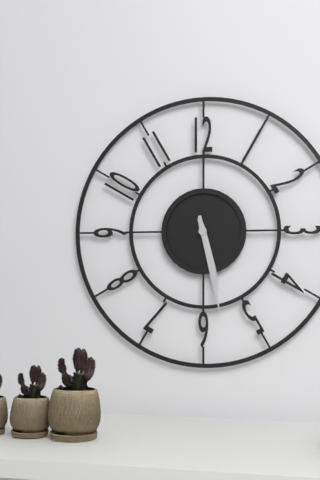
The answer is 5,28
